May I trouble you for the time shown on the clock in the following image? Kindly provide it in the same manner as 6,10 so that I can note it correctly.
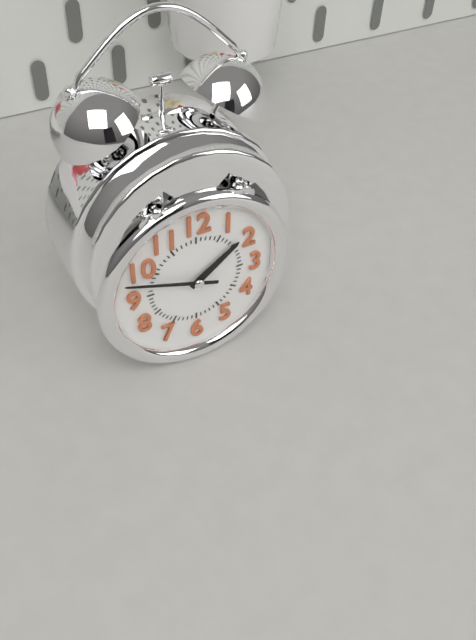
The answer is 1,48
